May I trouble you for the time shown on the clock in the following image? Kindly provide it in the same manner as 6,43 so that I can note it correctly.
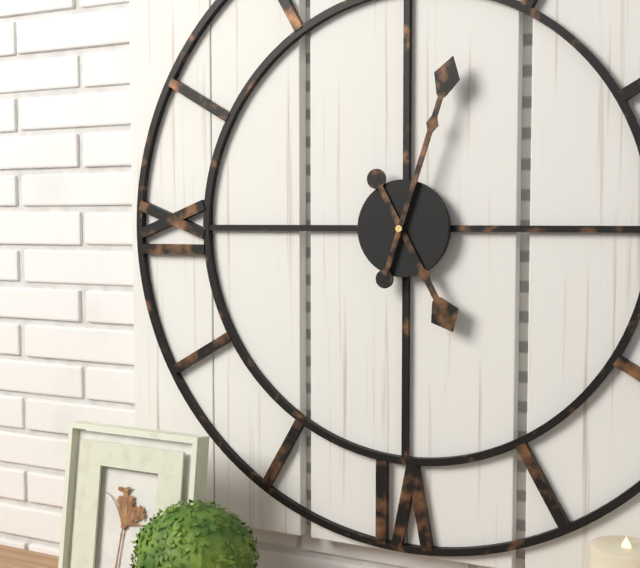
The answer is 5,03
